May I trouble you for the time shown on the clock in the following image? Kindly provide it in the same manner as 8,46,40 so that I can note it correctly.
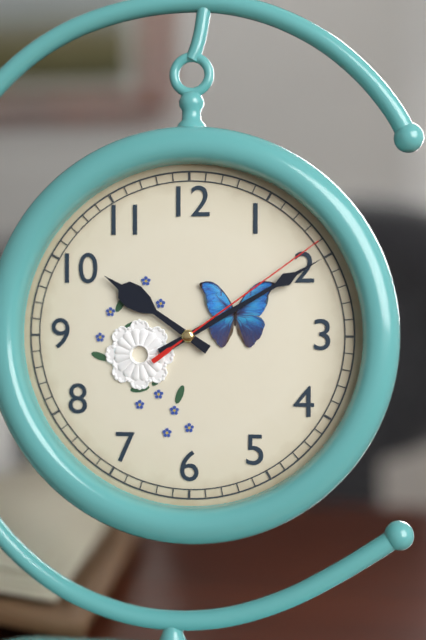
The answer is 10,10,09
